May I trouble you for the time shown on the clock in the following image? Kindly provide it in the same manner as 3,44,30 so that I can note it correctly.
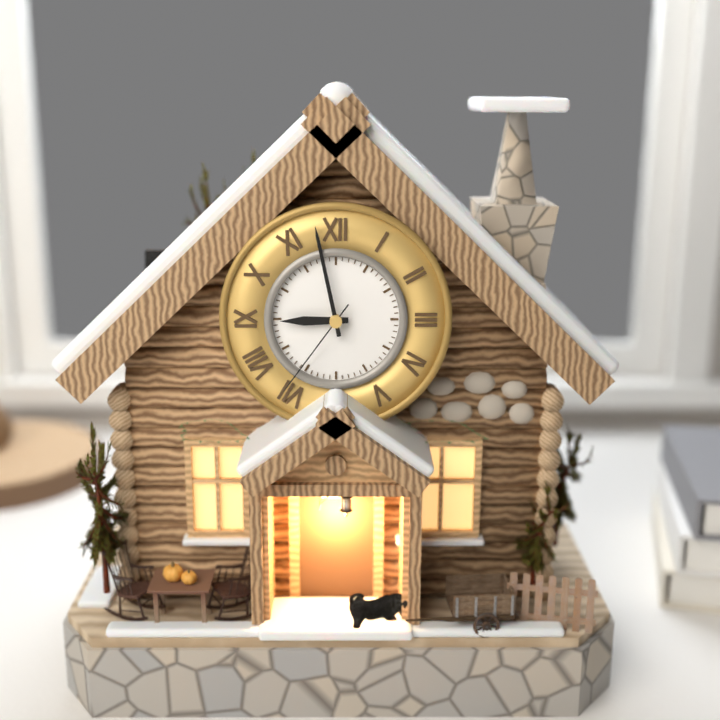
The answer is 8,58,36
